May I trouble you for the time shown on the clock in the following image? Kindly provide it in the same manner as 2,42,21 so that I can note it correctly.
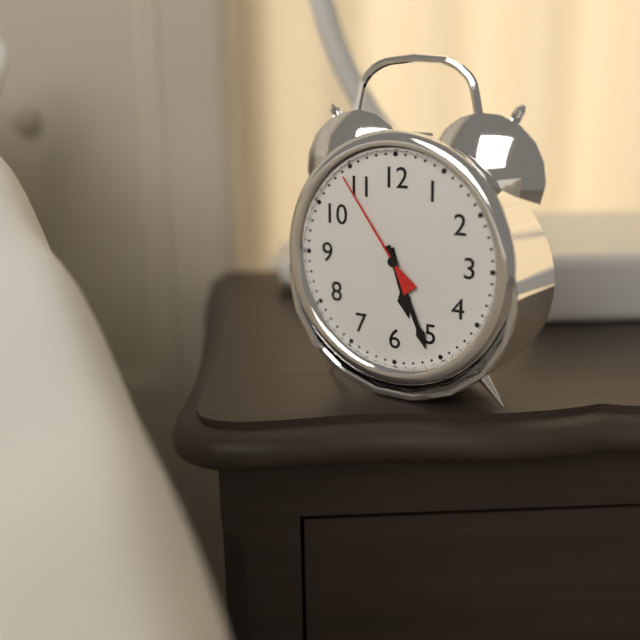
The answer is 5,26,54
